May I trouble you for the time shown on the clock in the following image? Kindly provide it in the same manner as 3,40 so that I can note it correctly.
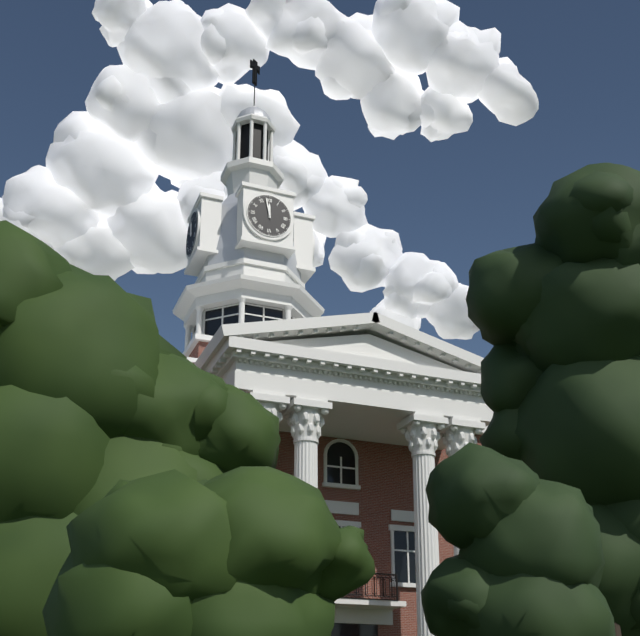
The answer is 11,58
